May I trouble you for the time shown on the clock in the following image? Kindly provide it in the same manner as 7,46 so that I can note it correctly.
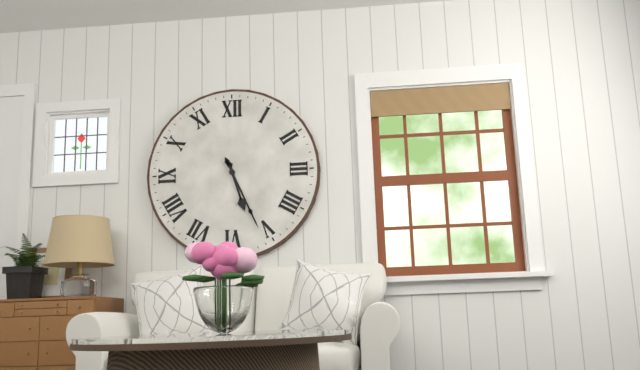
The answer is 5,26
